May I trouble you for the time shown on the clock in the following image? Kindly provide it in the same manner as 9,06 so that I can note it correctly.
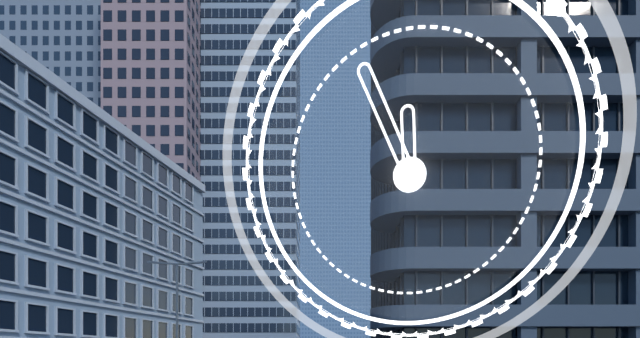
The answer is 11,56
